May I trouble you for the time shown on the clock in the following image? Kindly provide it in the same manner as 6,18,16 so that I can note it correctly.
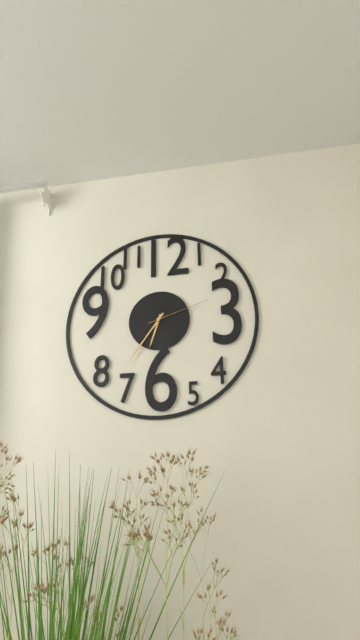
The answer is 6,36,12
